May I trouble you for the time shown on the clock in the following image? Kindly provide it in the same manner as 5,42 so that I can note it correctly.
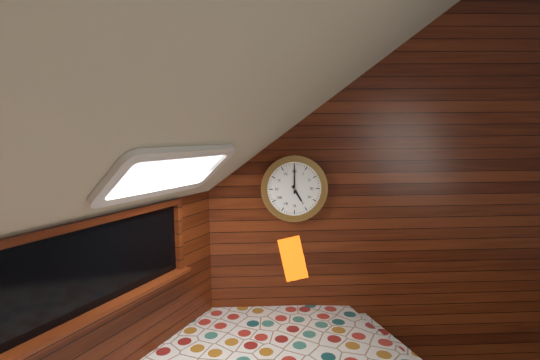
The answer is 5,00
